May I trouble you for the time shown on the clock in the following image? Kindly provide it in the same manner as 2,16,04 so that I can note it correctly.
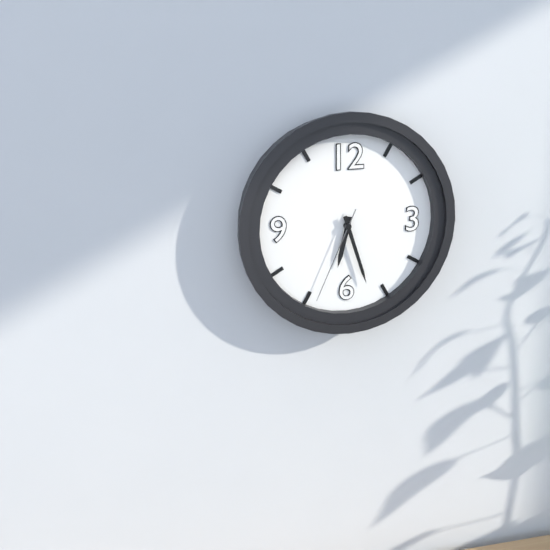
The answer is 6,27,34
